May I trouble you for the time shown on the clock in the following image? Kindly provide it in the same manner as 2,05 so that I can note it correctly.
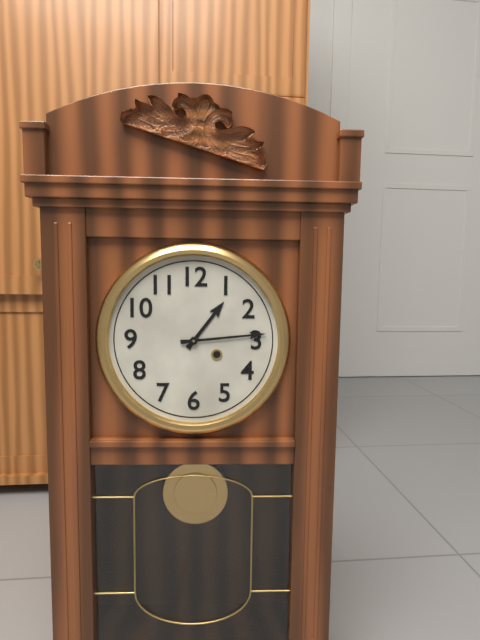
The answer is 1,14
